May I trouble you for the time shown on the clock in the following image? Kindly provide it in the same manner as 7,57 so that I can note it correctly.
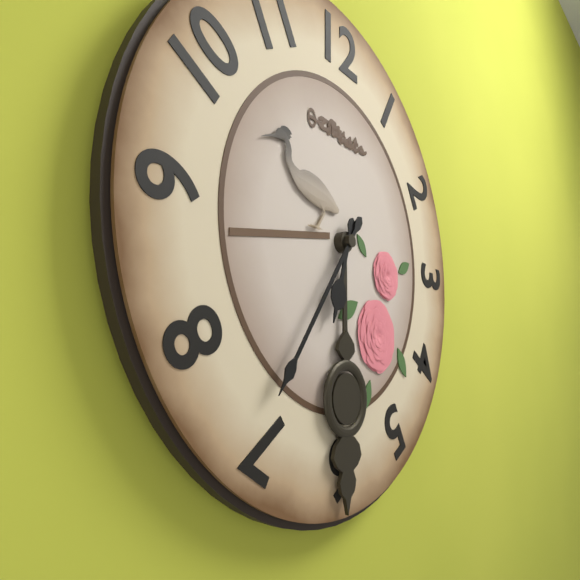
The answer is 6,36
